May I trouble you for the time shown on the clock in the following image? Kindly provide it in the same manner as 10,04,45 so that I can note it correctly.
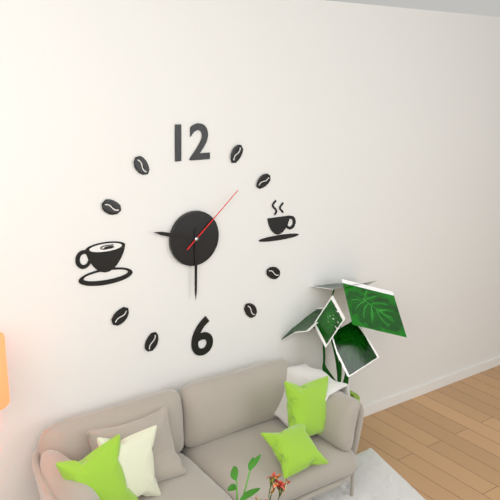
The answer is 9,30,08
